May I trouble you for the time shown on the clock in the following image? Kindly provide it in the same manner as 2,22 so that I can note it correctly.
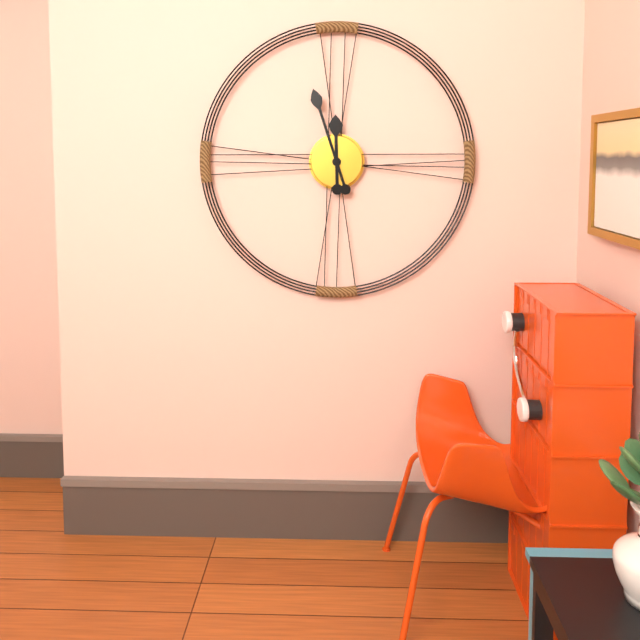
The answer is 11,57
